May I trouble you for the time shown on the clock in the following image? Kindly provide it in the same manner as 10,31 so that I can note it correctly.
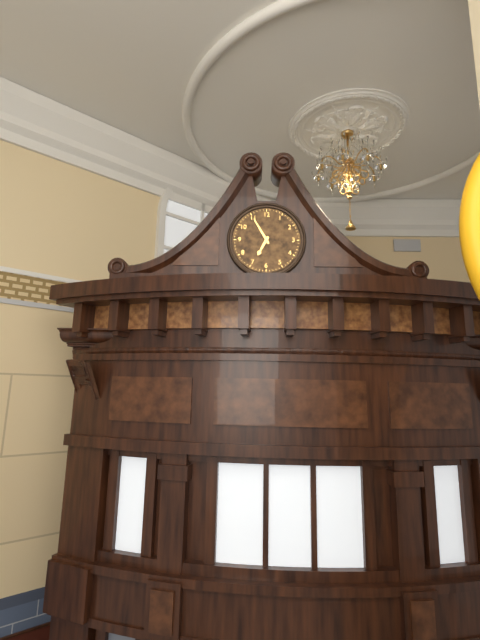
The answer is 6,55
